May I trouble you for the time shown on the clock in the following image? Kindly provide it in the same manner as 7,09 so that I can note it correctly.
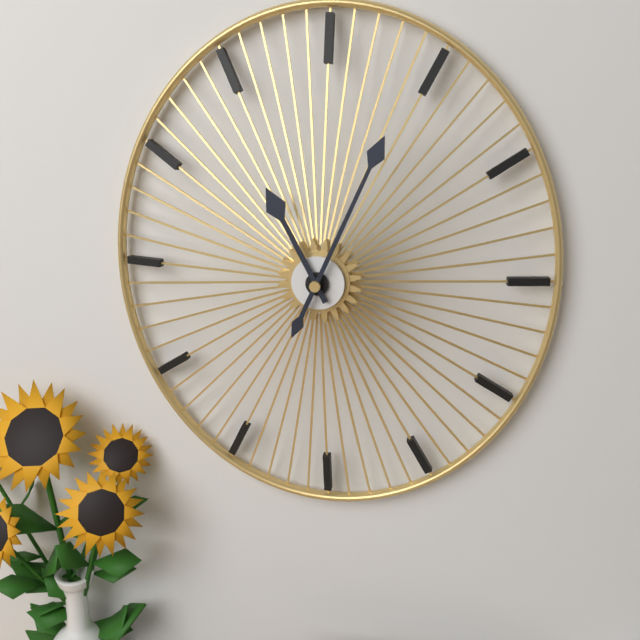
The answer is 11,04
